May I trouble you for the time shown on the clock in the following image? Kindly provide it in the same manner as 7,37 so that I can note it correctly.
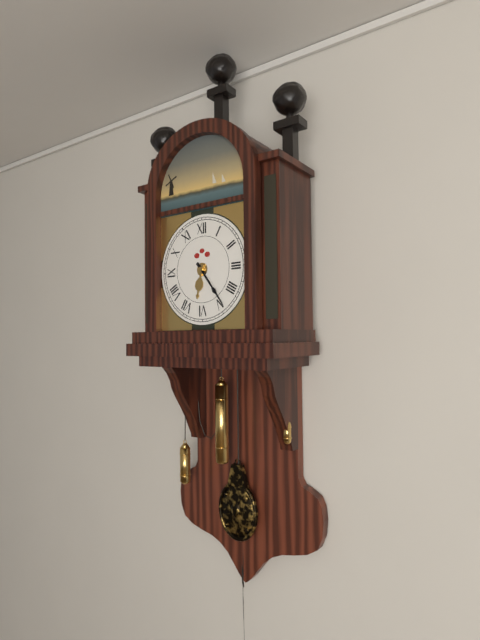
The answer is 6,24
